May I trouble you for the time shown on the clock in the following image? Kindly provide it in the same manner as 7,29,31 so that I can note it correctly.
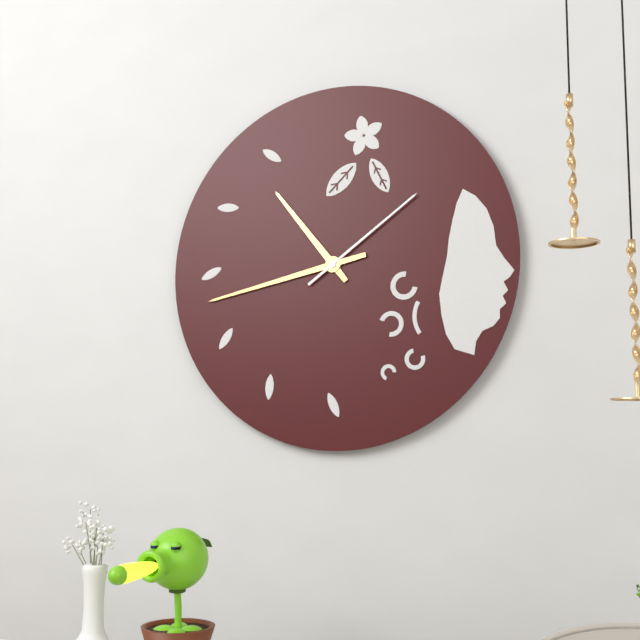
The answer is 10,43,09
